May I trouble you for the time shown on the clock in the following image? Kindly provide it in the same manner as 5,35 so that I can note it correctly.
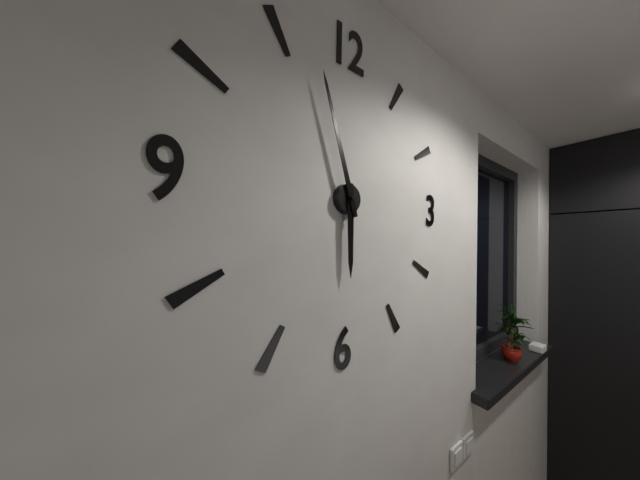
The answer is 5,57
